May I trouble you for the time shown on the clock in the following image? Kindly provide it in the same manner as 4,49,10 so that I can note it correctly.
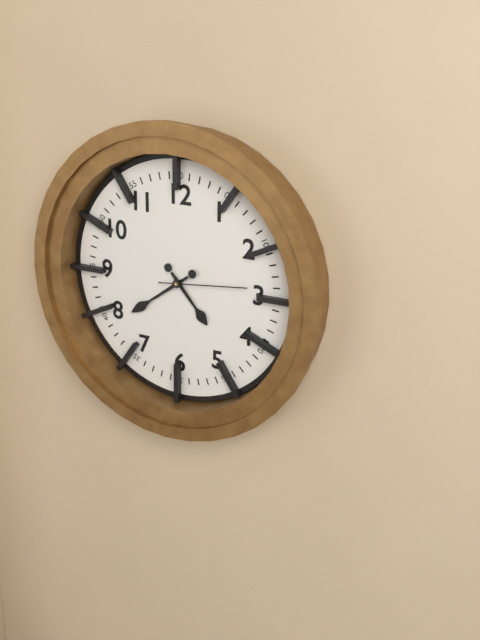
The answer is 4,39,14
